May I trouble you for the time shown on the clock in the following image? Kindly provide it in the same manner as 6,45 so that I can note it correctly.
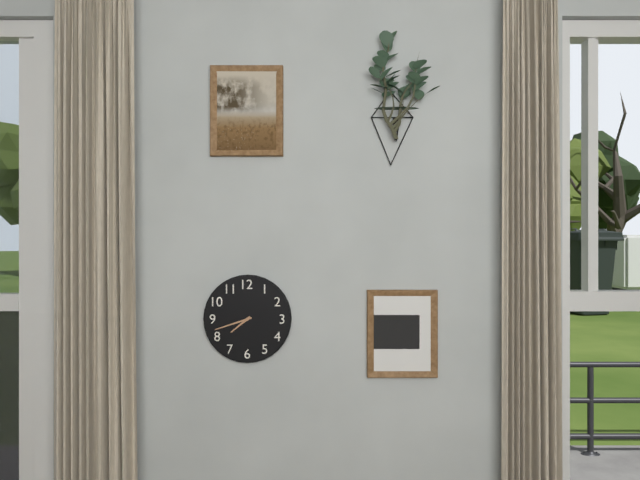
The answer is 7,42
